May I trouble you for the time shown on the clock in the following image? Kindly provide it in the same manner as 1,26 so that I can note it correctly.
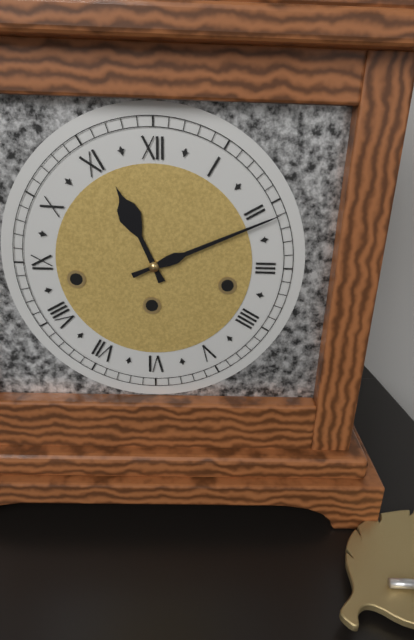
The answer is 11,11
